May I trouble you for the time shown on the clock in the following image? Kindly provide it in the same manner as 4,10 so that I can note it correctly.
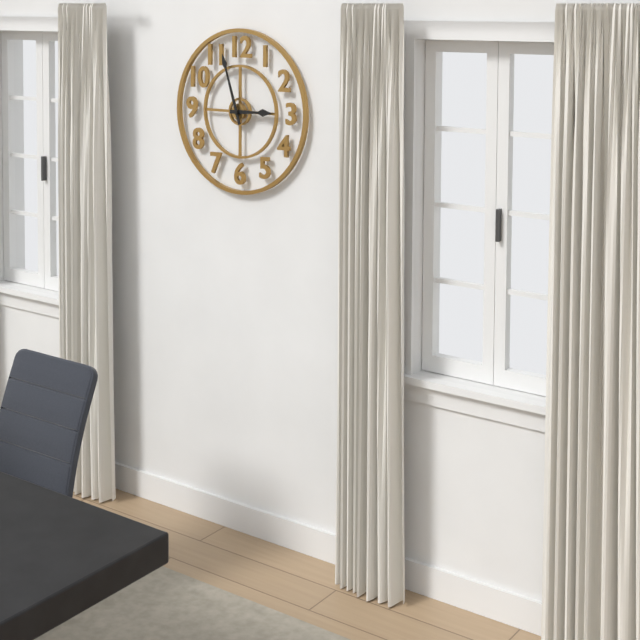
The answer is 2,57
